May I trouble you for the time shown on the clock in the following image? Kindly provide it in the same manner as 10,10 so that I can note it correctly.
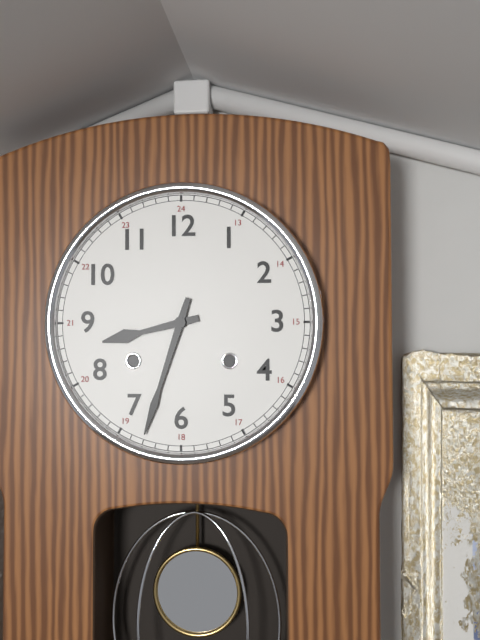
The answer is 8,33
